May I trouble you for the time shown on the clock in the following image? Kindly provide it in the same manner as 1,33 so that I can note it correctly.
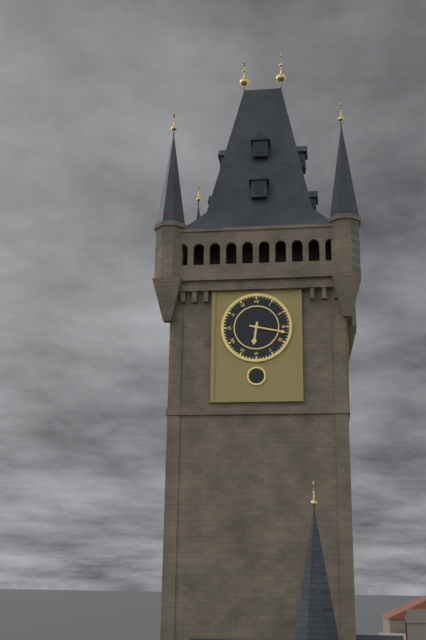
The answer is 6,17
